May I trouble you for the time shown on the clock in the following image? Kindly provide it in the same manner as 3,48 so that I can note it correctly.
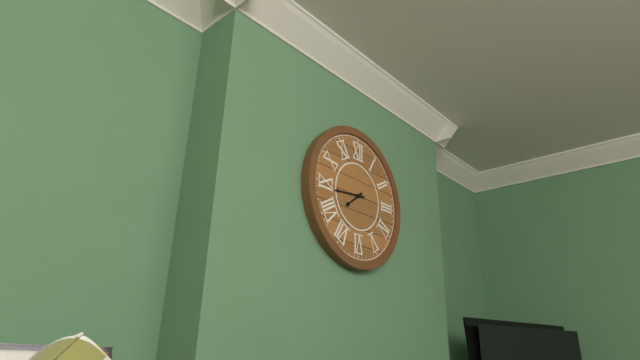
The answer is 7,44
